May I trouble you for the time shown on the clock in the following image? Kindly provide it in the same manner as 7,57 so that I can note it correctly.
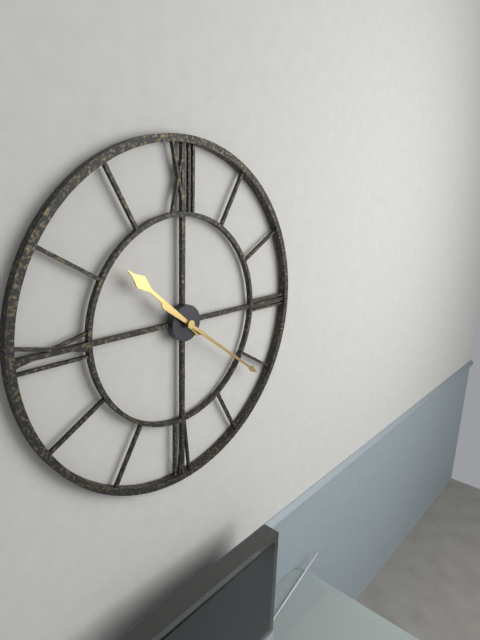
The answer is 10,21
